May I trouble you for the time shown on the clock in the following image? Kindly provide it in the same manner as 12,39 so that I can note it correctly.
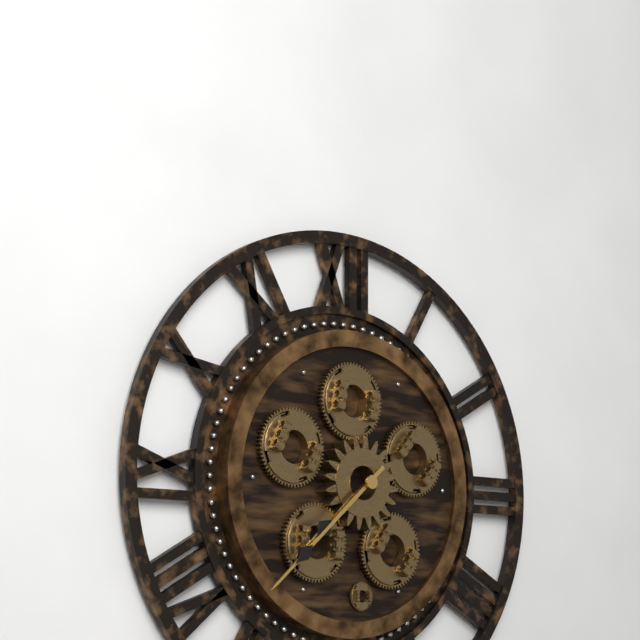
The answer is 7,38
